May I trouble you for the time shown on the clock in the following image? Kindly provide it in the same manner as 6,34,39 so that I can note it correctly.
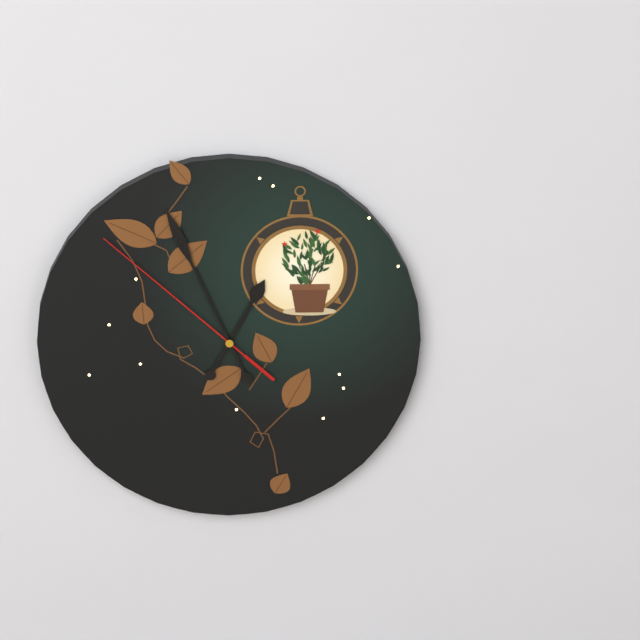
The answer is 12,56,52
